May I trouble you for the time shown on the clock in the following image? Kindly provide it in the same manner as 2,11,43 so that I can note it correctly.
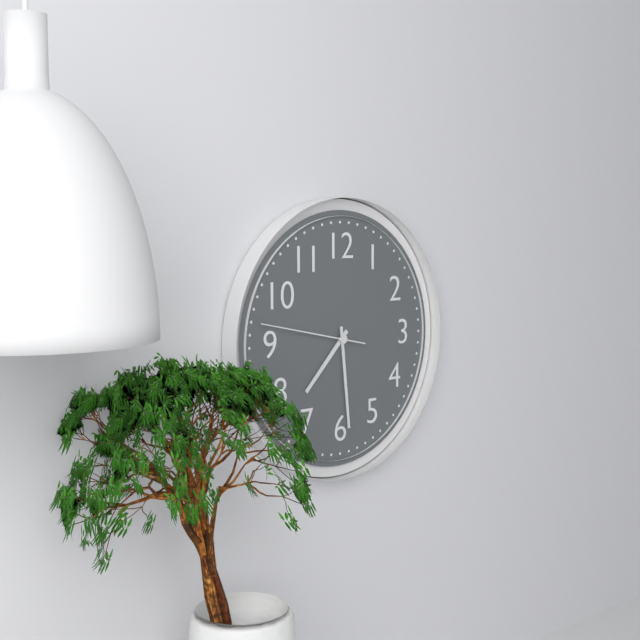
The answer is 7,29,47
